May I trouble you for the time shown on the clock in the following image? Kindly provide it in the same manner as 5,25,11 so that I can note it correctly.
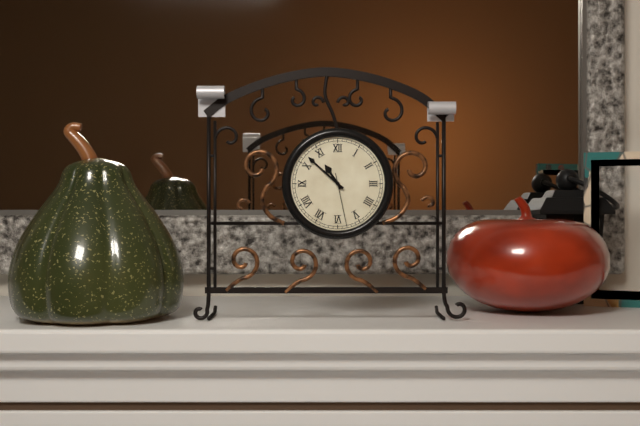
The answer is 10,52,28
